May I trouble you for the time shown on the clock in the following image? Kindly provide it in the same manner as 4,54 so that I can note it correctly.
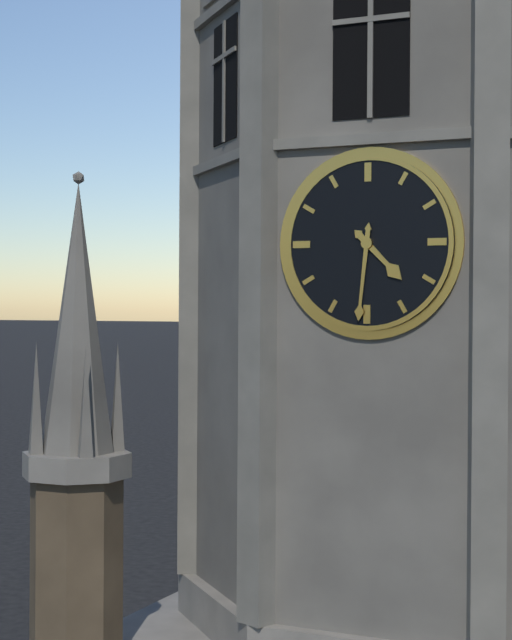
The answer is 4,31
